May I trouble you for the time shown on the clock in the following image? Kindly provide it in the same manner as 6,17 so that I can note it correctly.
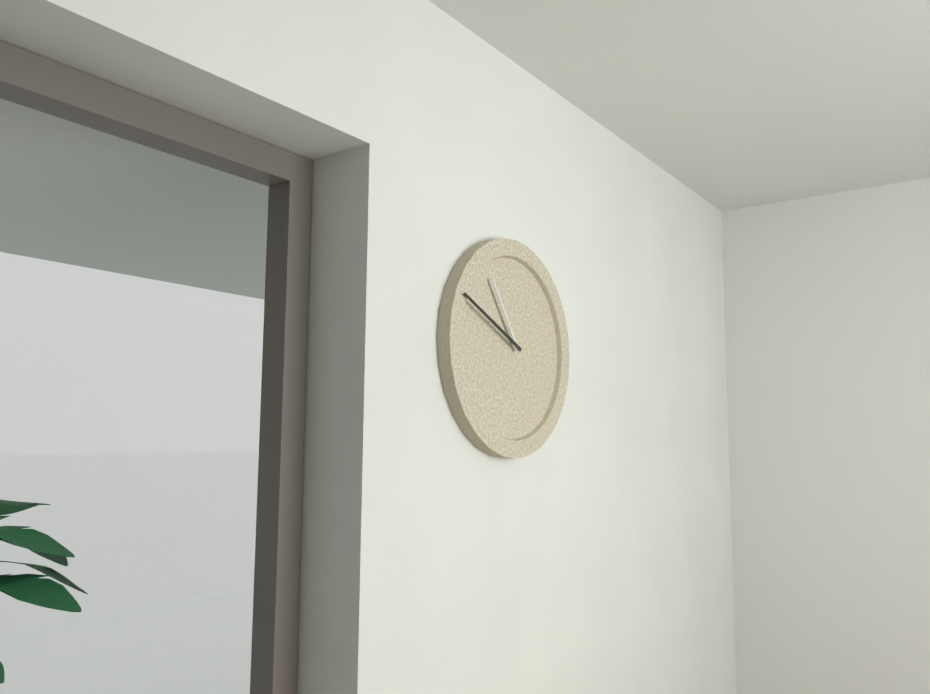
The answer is 10,49
